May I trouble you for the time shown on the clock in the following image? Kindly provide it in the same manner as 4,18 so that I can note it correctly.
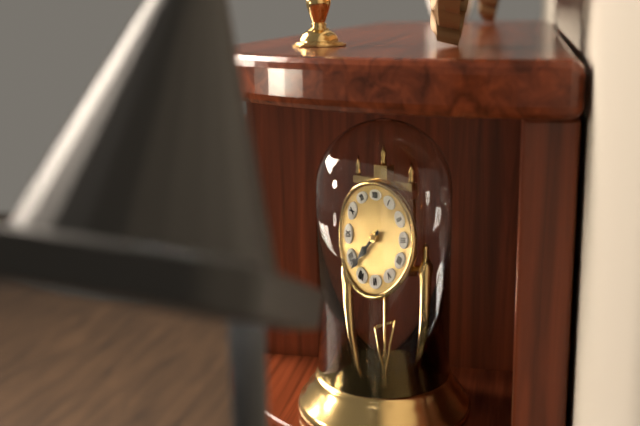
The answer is 7,38
